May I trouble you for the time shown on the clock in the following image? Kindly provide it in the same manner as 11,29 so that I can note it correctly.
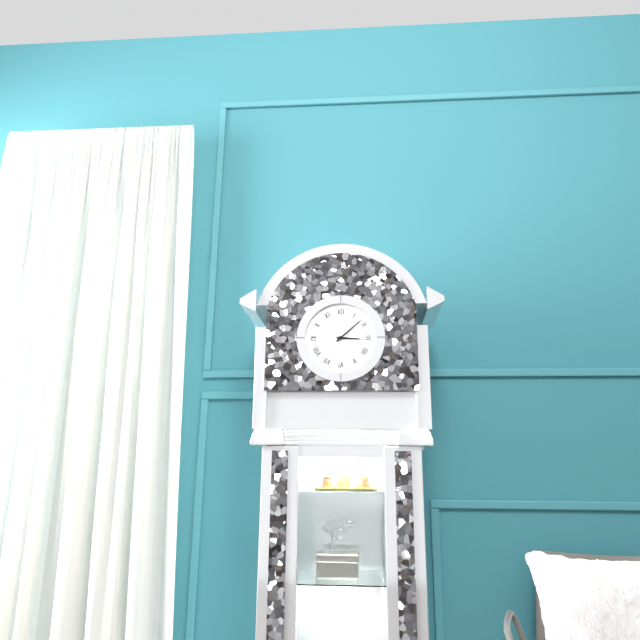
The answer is 3,08
